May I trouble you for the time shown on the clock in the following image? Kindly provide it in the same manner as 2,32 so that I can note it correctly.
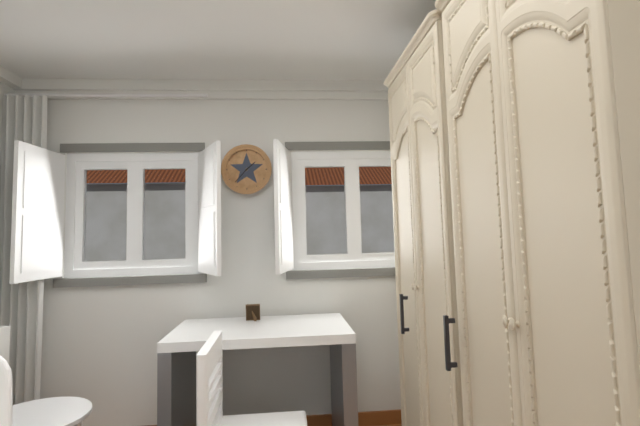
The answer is 1,37
